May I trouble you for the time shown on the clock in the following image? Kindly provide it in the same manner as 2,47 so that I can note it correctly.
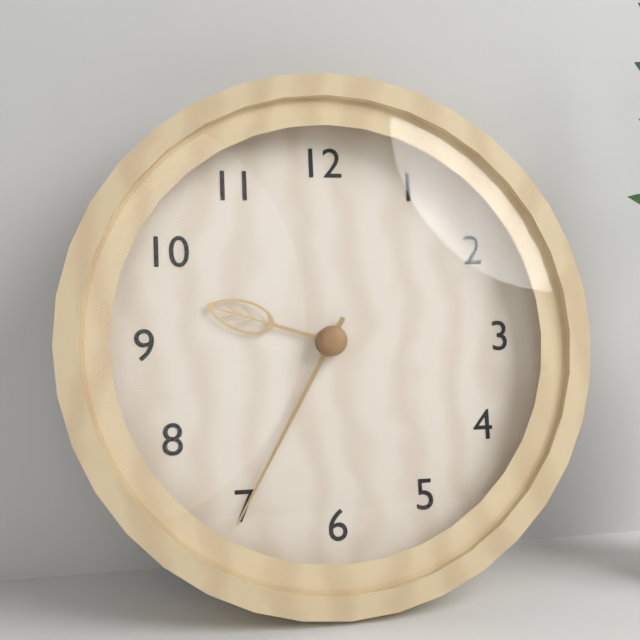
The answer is 9,35
